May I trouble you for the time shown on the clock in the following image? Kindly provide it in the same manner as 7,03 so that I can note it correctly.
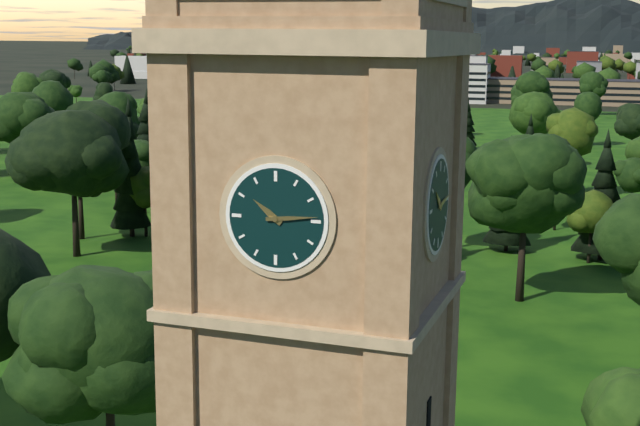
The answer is 10,14
